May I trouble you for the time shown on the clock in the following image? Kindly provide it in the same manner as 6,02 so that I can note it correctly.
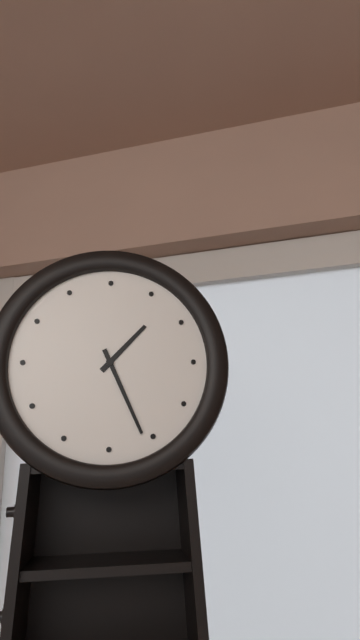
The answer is 1,26
